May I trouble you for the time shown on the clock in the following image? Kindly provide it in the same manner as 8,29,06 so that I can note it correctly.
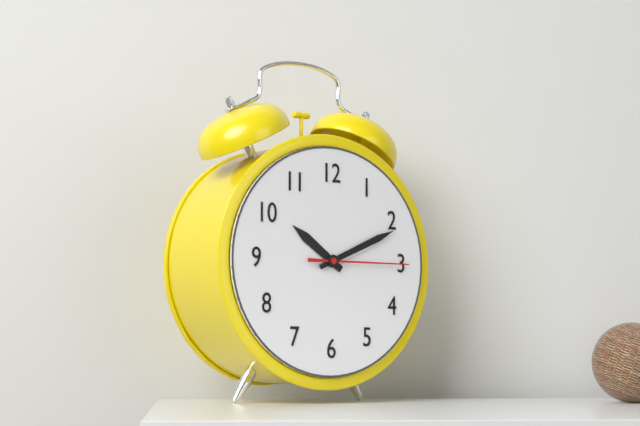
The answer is 10,11,15
